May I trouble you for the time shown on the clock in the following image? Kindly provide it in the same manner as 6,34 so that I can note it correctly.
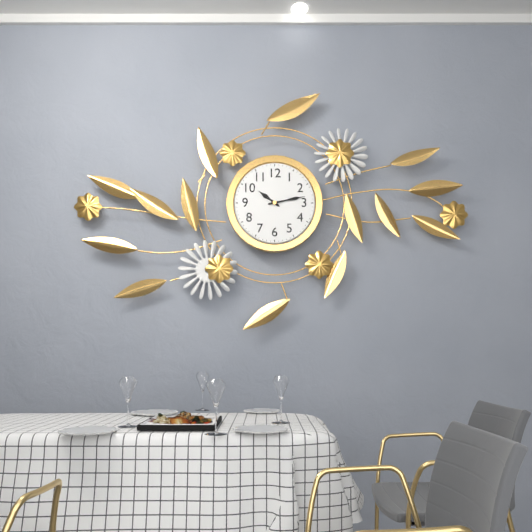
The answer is 10,13
